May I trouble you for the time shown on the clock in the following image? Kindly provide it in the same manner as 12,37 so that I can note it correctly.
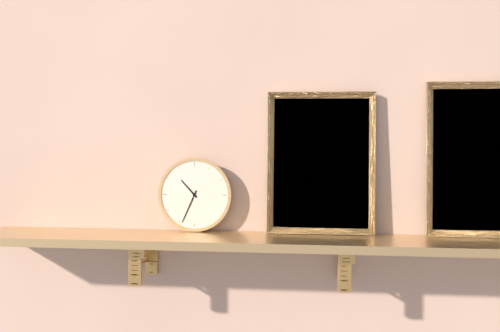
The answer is 10,34
